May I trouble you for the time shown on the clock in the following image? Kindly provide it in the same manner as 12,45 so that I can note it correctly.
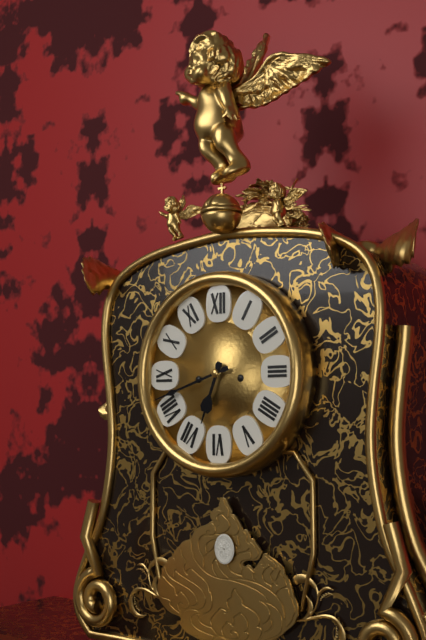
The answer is 6,42
